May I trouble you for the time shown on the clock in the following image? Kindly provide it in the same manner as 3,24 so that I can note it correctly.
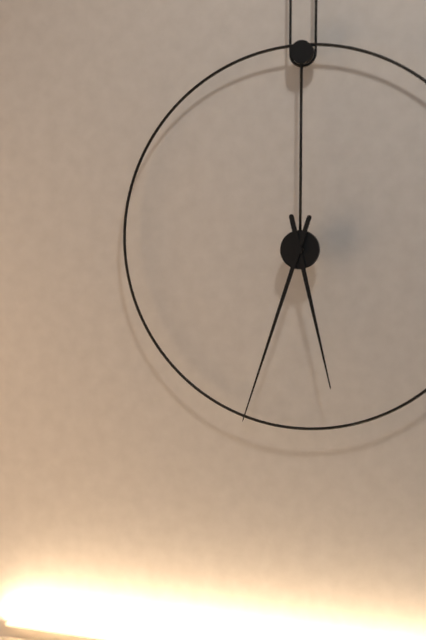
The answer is 5,33
